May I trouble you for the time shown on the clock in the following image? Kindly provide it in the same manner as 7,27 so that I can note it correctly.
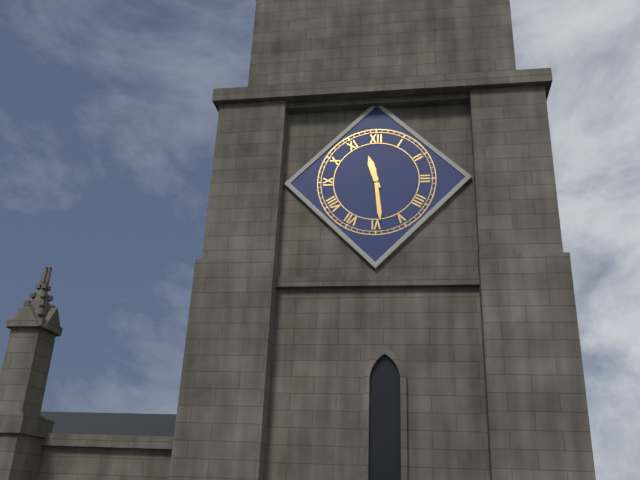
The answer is 11,29
